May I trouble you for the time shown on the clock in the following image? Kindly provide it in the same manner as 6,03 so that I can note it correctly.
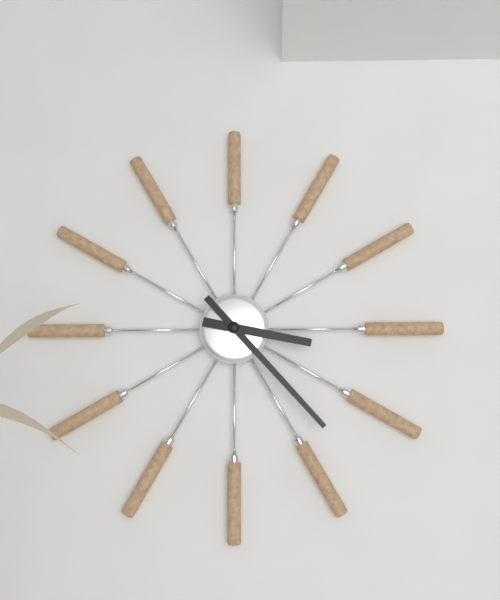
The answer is 3,23
